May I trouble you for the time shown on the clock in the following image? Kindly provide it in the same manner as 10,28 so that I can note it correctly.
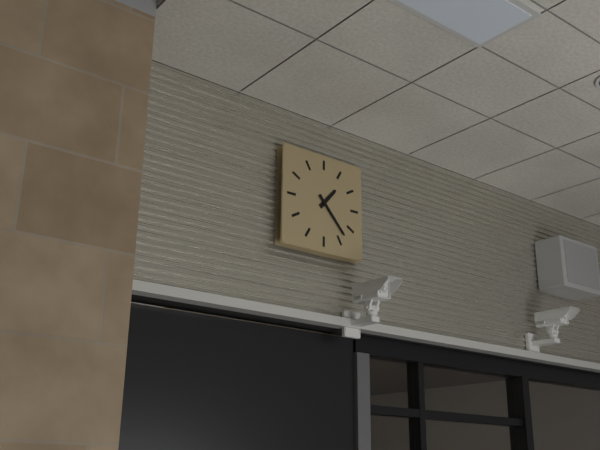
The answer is 1,23
